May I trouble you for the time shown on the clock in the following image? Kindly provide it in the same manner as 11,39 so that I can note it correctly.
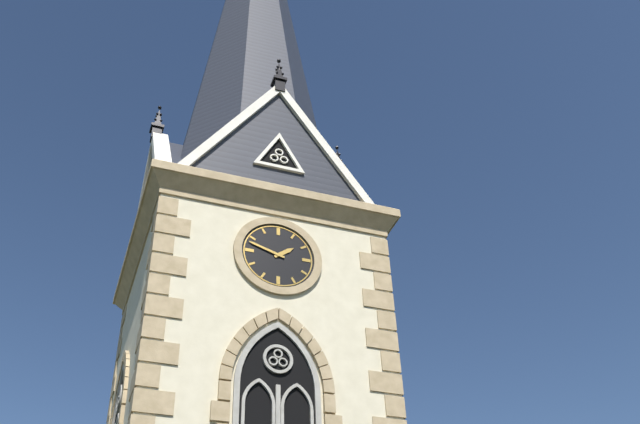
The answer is 1,48
